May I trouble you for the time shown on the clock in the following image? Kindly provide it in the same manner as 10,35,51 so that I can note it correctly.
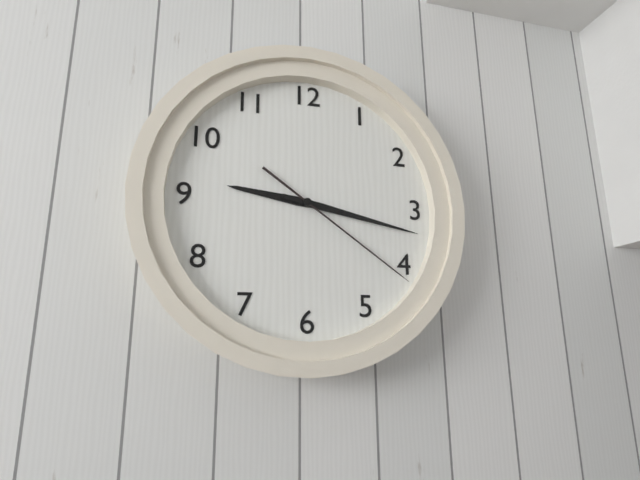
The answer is 9,17,21
